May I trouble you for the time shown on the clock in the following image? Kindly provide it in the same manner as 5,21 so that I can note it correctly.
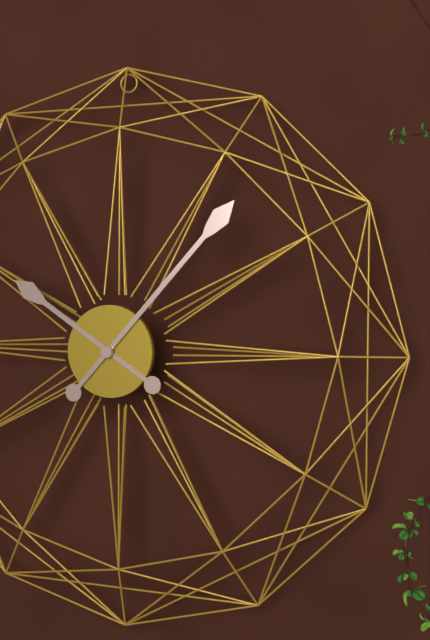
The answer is 10,07
